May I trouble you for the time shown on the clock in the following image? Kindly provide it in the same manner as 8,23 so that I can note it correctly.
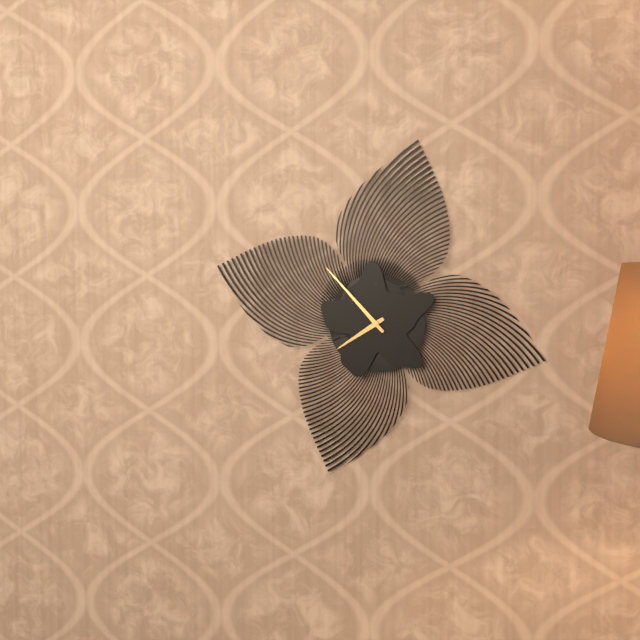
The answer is 7,53
